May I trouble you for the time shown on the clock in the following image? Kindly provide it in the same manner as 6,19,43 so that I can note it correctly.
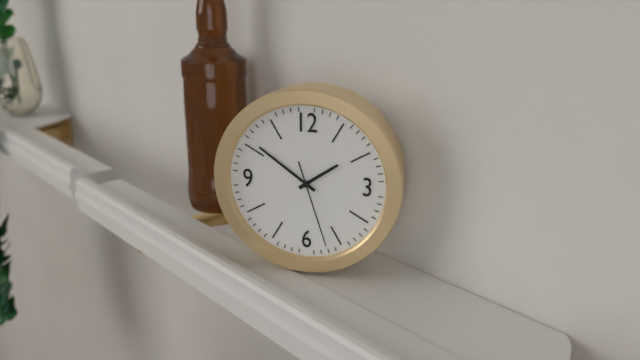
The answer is 1,51,27
